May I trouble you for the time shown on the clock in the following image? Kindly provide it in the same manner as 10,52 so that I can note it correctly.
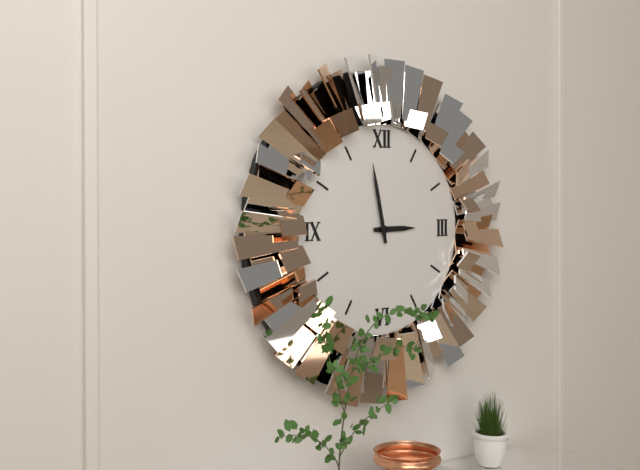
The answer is 2,58
